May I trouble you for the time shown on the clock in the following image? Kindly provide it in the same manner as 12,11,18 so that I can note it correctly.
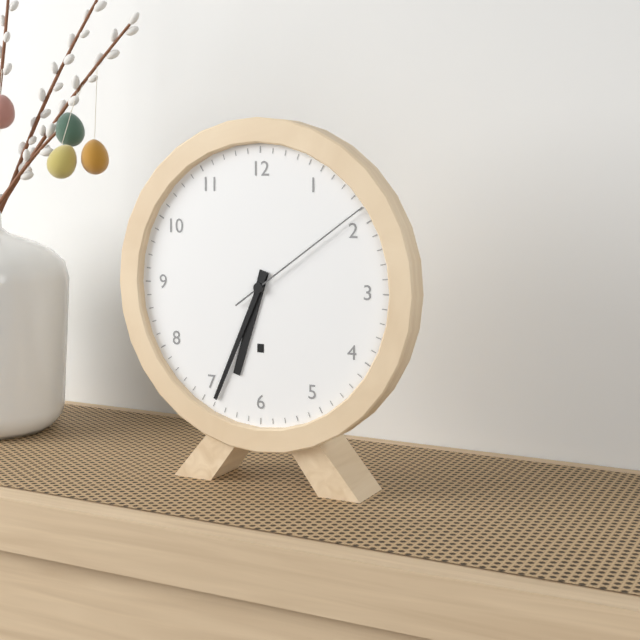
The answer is 6,34,09
